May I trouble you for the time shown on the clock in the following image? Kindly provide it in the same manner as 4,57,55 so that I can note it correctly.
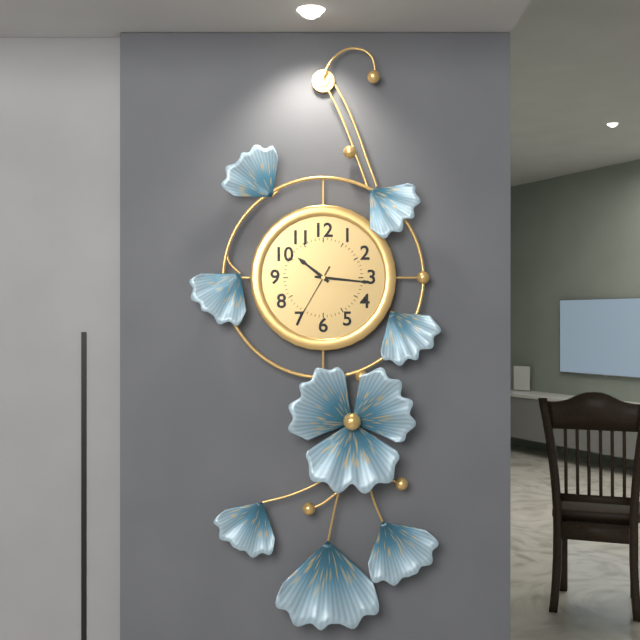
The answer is 10,16,35
